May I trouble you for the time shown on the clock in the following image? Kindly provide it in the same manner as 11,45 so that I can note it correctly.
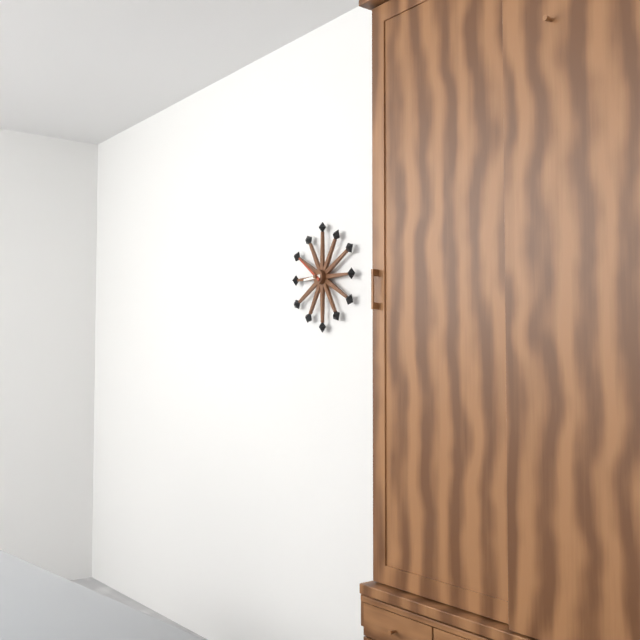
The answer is 8,51
